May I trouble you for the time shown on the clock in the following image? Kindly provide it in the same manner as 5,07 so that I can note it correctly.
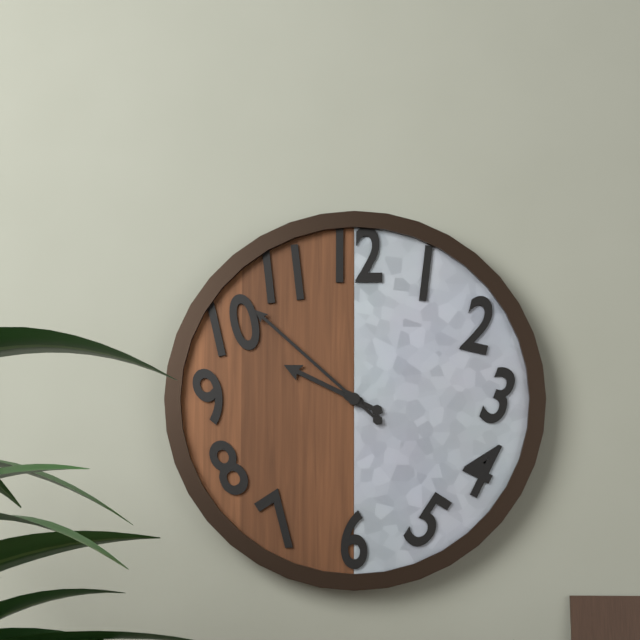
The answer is 9,52
